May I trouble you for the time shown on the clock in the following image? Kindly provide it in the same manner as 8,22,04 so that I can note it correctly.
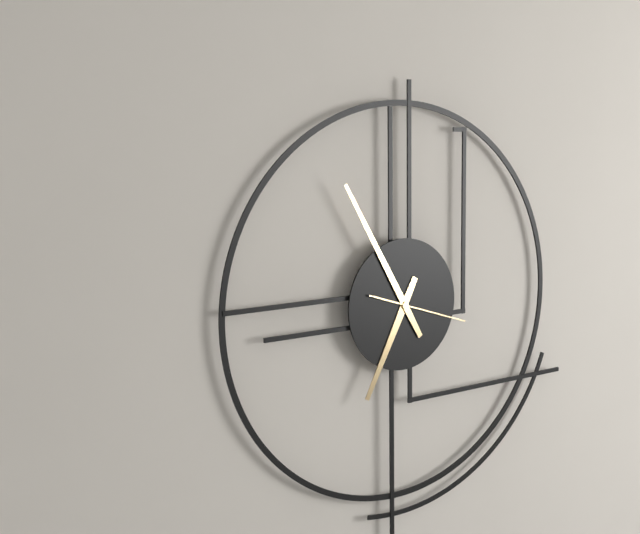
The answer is 6,55,18
